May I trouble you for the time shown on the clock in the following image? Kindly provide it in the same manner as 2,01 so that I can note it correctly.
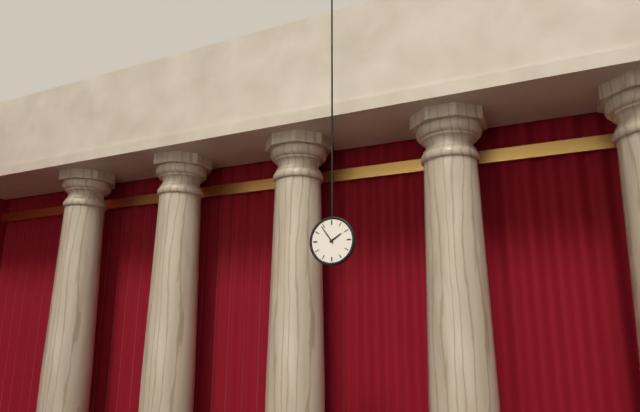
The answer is 1,54
